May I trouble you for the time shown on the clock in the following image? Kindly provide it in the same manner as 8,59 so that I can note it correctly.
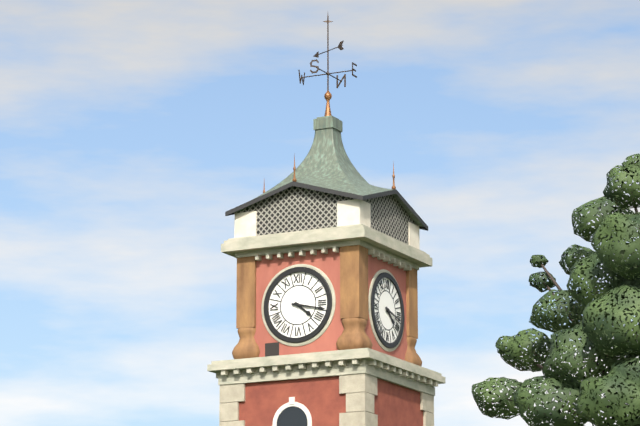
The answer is 4,17
